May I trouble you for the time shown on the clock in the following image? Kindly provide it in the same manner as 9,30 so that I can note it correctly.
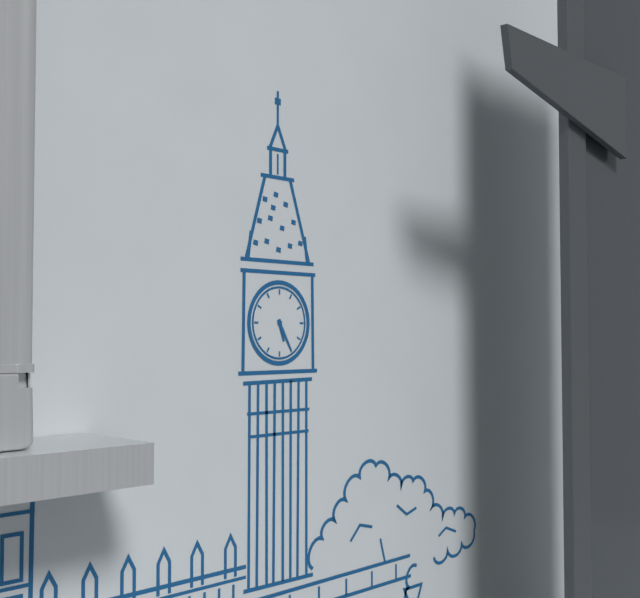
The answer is 5,25
